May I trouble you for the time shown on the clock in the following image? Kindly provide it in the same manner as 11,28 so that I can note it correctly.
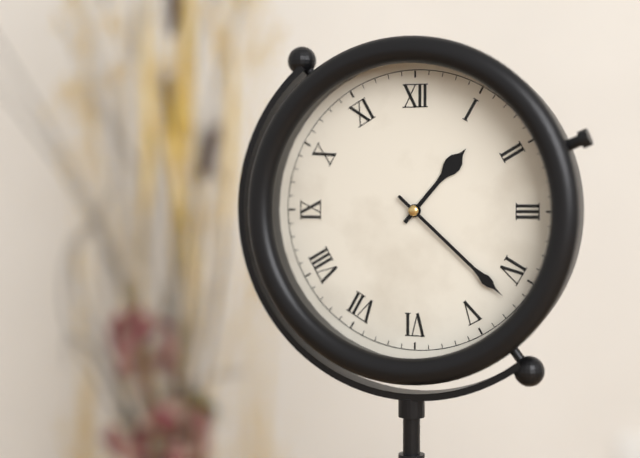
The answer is 1,22
